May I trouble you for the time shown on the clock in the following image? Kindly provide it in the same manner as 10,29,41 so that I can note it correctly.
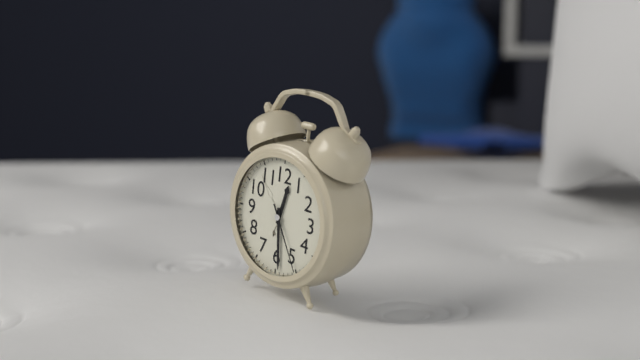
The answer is 12,29,25
